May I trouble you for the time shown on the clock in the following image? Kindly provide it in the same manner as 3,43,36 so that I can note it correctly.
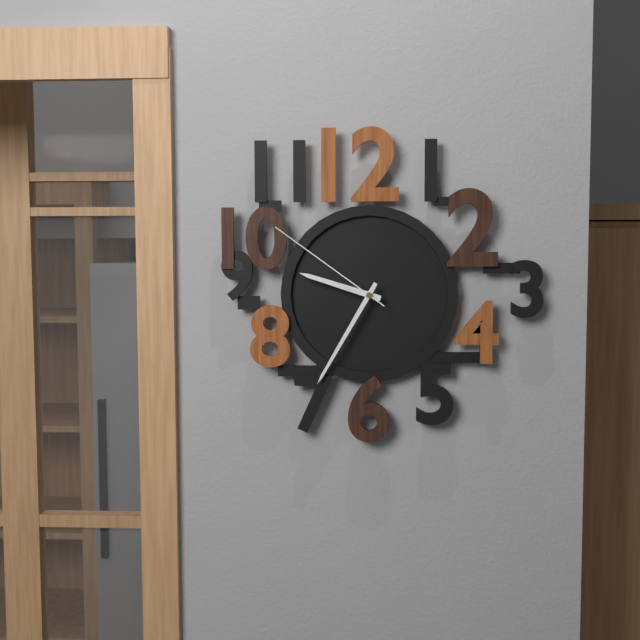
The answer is 9,35,51
